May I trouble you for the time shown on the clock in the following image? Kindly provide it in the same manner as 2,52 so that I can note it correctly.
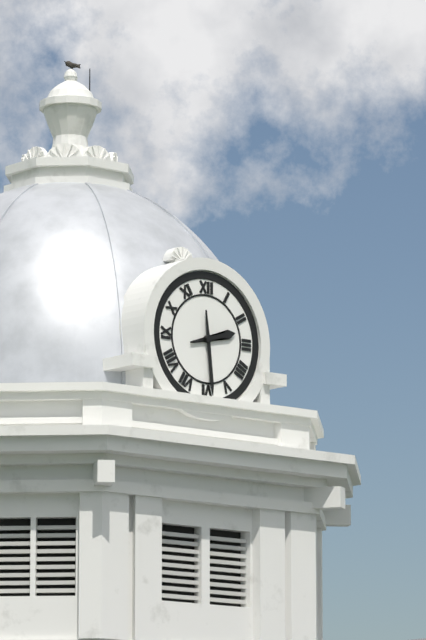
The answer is 2,29
